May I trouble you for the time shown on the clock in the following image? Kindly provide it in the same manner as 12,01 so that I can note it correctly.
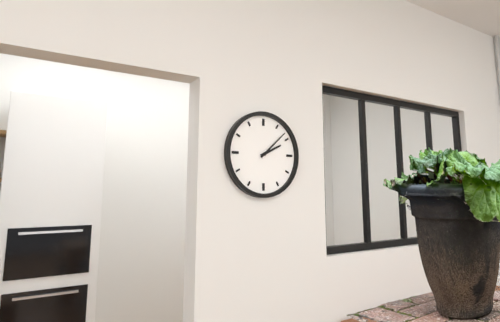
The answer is 2,08
